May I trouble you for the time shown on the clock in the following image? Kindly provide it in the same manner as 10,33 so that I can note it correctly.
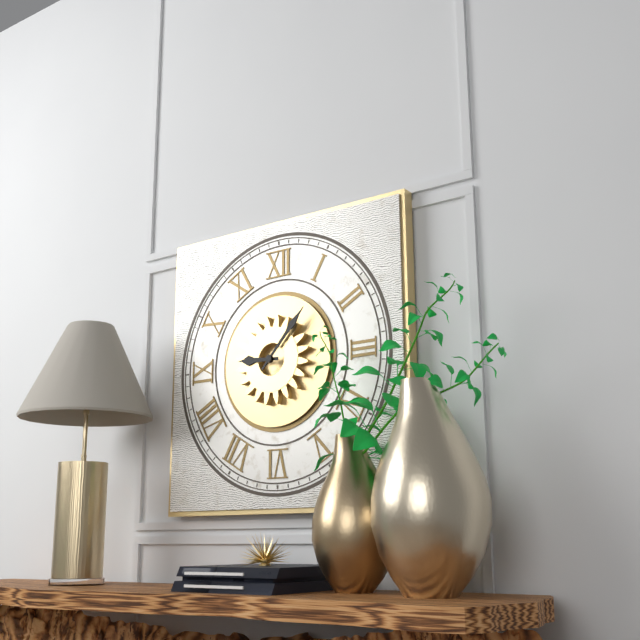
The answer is 9,07
